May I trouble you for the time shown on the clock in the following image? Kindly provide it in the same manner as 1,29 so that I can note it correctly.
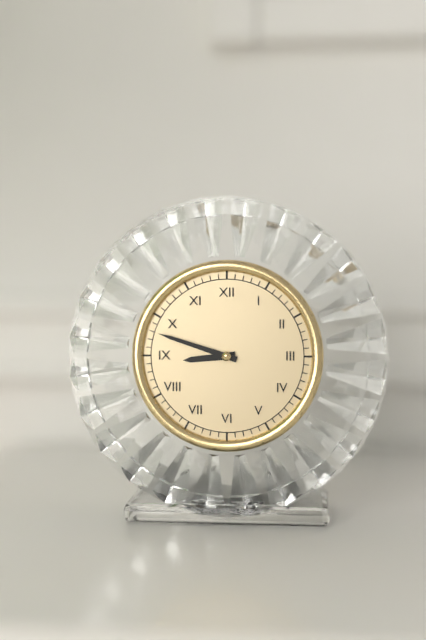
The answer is 8,48
